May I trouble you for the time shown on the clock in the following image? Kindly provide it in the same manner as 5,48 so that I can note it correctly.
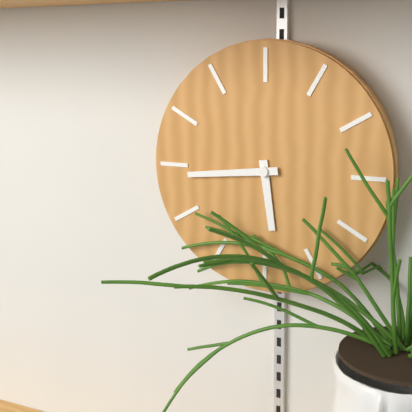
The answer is 5,44
